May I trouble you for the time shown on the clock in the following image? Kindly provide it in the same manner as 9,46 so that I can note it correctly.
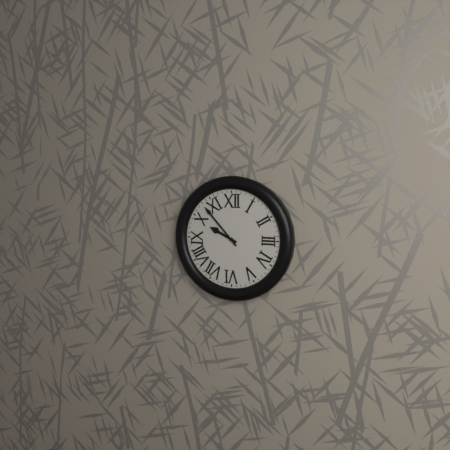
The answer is 9,53
